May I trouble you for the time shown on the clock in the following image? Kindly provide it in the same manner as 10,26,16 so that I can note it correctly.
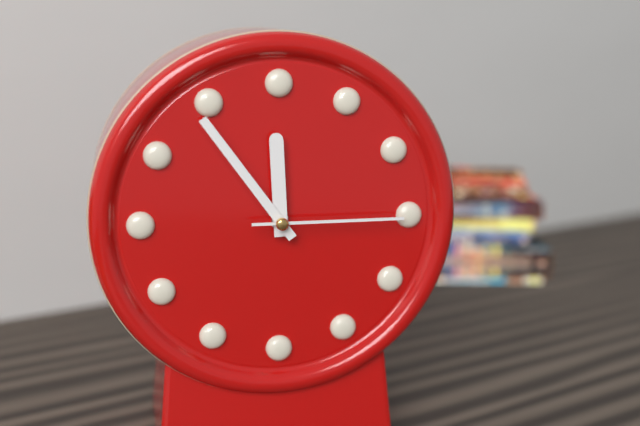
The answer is 11,54,15
